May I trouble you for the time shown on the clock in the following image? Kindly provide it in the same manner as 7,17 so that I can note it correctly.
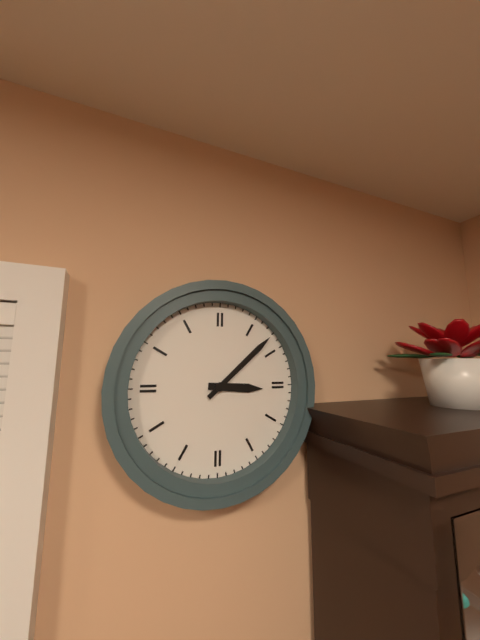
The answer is 3,08
